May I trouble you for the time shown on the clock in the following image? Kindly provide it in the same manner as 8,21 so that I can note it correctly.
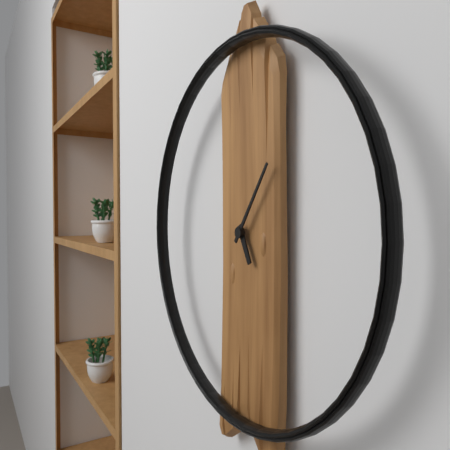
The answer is 5,06
